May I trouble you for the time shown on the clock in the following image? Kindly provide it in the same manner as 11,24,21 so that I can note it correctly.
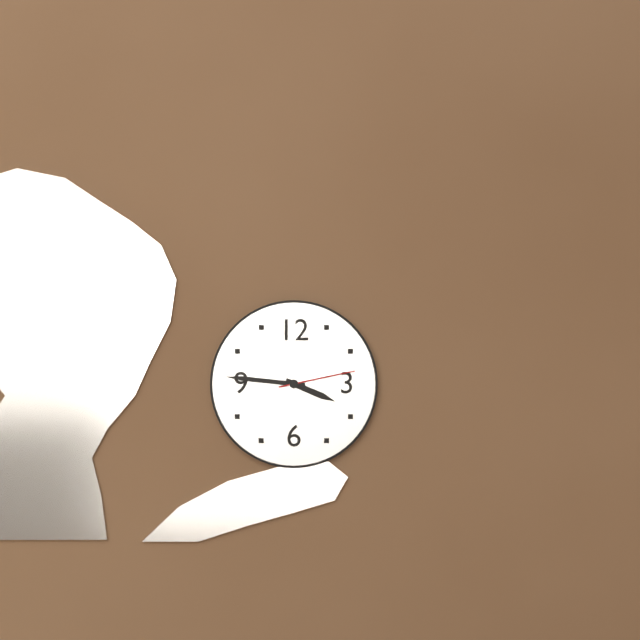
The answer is 3,46,13
